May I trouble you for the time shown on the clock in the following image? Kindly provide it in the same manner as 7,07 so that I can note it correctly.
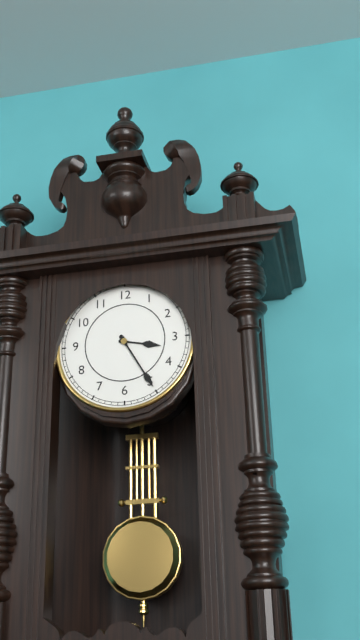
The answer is 3,25
